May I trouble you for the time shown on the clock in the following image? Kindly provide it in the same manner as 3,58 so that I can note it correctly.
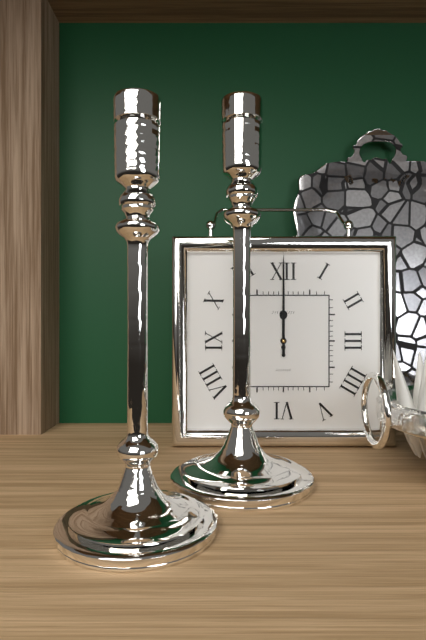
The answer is 12,00
